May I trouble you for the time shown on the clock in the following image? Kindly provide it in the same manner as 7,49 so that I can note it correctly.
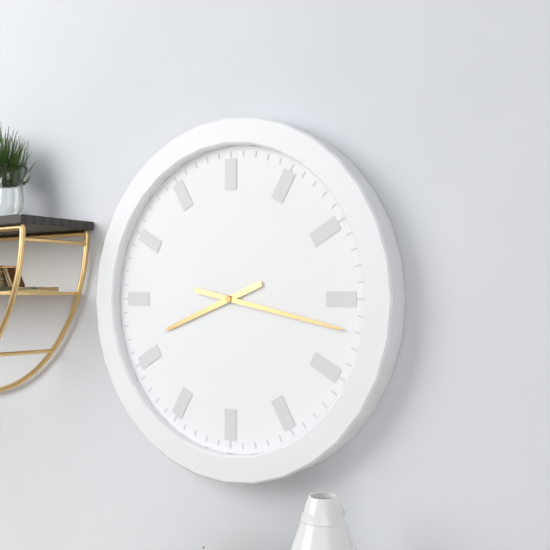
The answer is 8,17
